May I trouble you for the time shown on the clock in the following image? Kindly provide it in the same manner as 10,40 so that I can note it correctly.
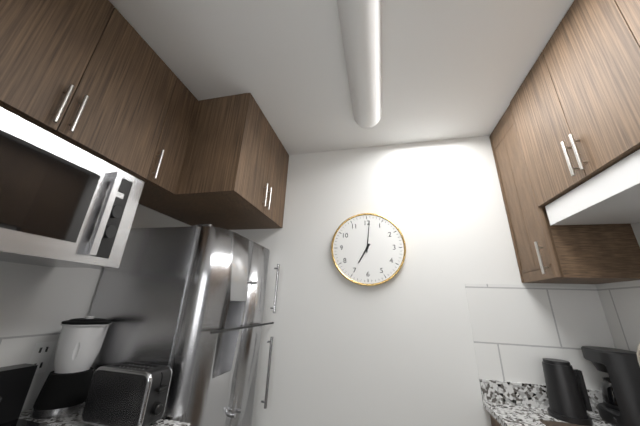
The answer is 7,01
